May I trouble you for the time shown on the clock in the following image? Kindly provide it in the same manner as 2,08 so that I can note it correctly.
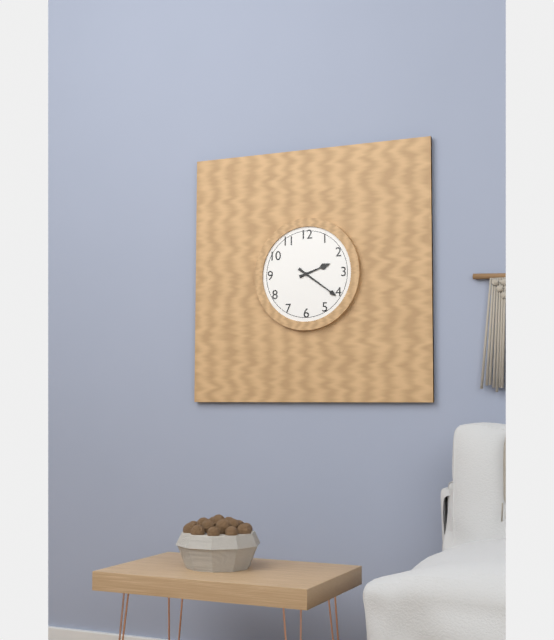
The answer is 2,21
